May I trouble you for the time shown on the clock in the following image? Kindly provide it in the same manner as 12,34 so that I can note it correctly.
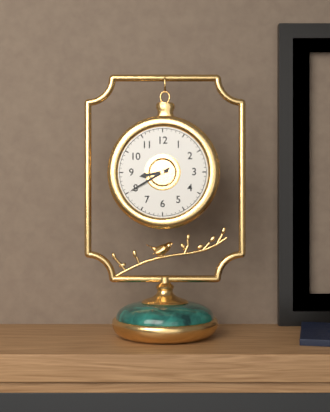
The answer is 8,40
